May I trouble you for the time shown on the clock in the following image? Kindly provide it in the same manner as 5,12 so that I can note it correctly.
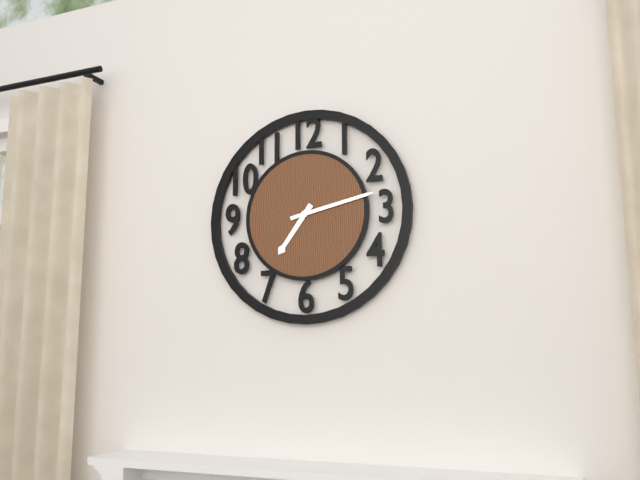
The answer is 7,13
